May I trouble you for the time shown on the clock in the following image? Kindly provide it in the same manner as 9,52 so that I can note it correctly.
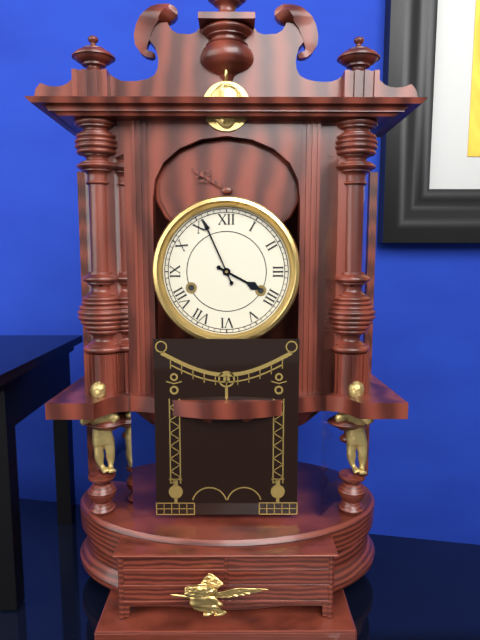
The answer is 3,56
